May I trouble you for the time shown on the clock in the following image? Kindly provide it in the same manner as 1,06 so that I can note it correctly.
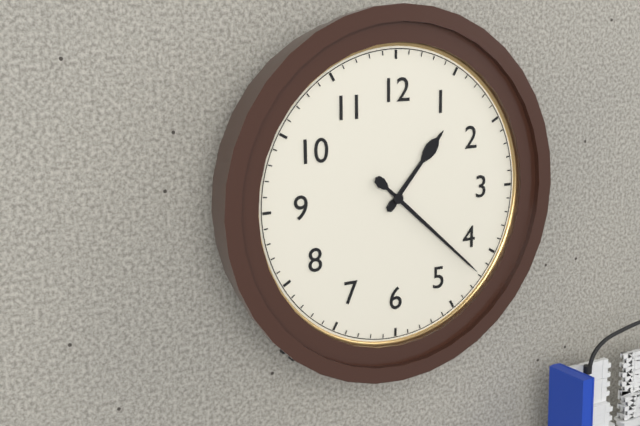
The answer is 1,22
